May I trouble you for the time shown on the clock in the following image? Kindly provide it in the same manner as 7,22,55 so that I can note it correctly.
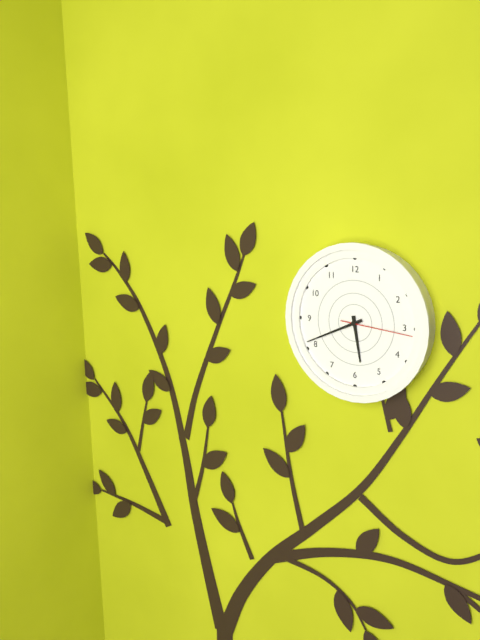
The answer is 5,41,16
